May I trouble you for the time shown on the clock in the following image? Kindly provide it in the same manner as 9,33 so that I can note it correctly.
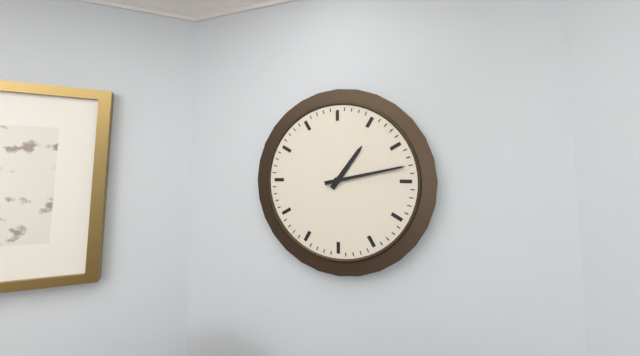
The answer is 1,13
